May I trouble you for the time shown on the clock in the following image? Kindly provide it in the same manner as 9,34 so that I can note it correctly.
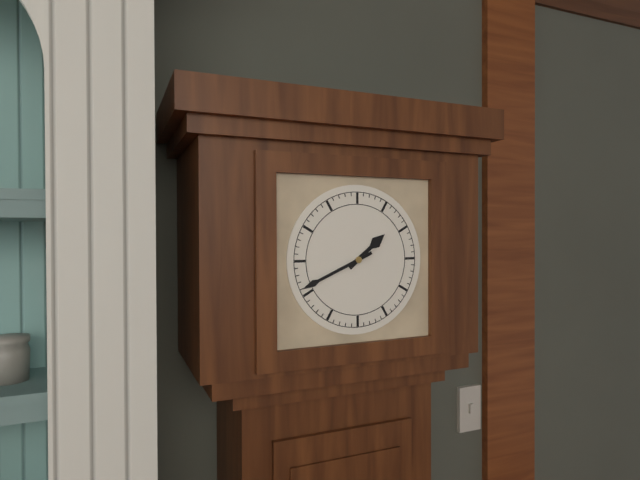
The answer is 1,41
